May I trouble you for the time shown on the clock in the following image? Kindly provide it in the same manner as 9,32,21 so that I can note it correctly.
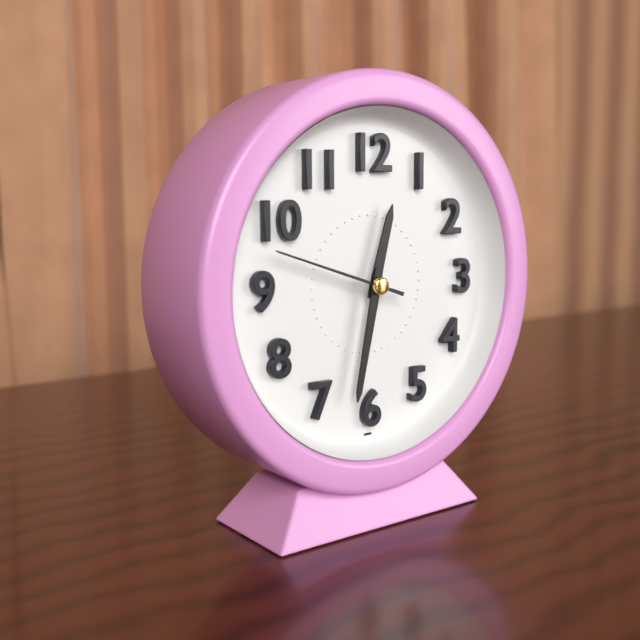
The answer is 12,32,48
